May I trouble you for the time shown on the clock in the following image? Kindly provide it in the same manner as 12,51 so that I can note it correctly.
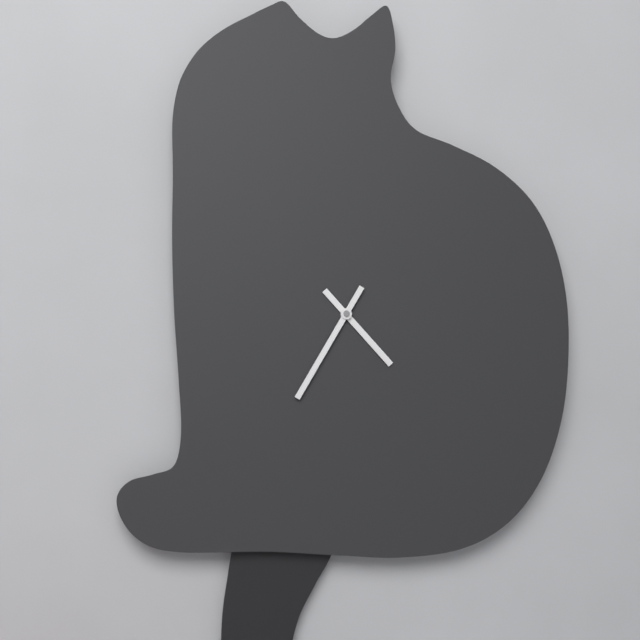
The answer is 4,35
